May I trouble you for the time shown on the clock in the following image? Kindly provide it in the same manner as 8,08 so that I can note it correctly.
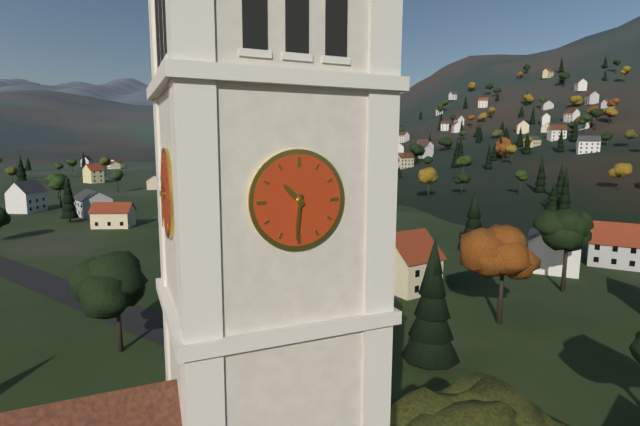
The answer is 10,31
